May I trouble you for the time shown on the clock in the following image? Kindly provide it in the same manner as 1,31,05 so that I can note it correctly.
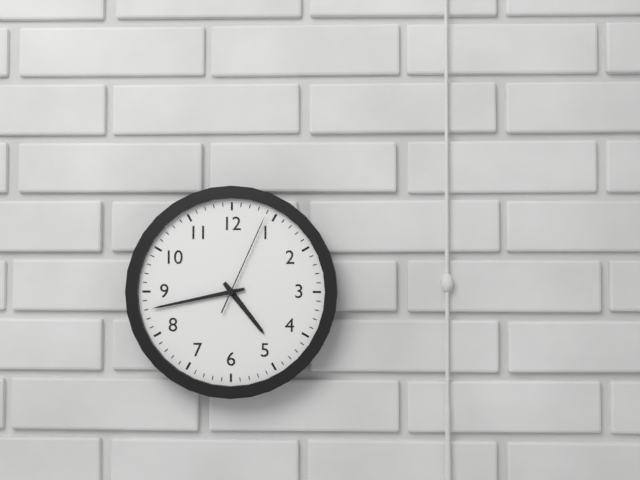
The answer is 4,43,04
